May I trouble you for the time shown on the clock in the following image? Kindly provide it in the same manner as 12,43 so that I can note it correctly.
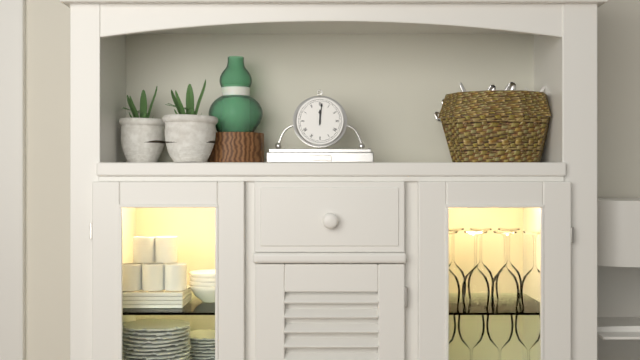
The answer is 12,01
